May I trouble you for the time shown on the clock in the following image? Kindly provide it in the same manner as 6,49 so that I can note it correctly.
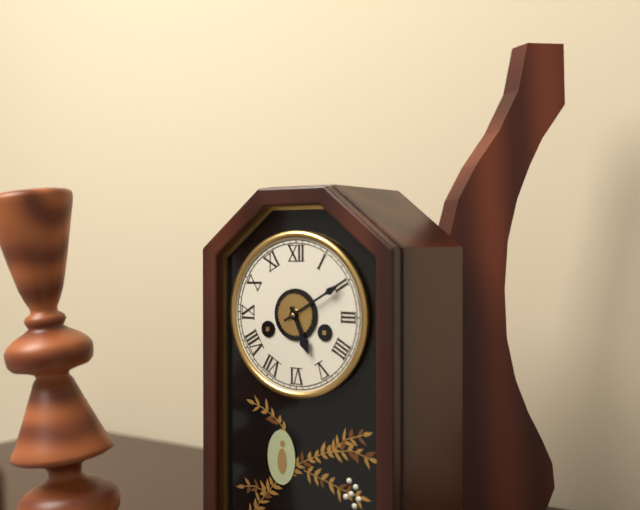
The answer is 5,10
